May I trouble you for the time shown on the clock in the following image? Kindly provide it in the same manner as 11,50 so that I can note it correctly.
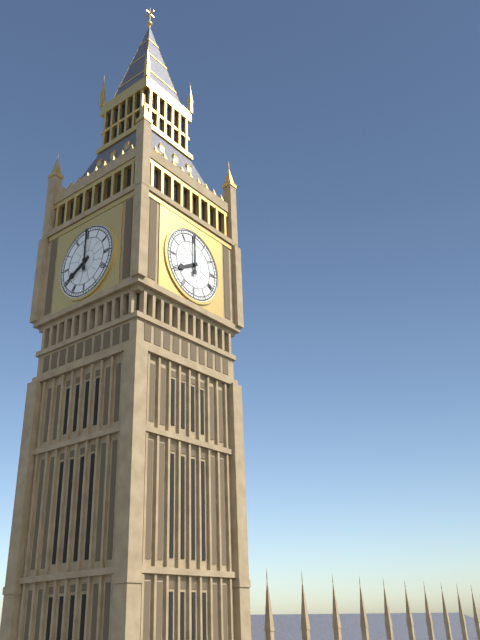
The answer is 8,00
